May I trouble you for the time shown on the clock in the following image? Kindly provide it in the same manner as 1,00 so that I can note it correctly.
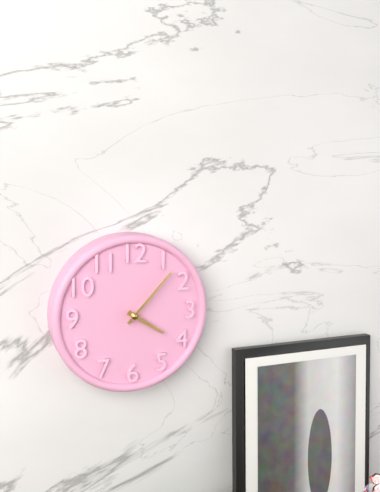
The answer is 4,07
